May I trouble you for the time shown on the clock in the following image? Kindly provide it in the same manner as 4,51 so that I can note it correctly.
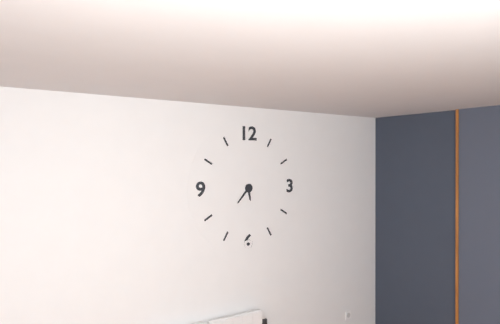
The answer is 5,37
